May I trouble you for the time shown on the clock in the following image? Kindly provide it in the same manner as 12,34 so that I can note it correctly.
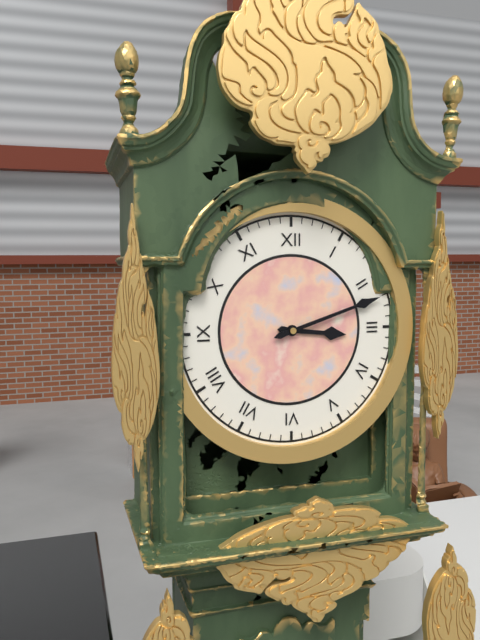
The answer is 3,12
